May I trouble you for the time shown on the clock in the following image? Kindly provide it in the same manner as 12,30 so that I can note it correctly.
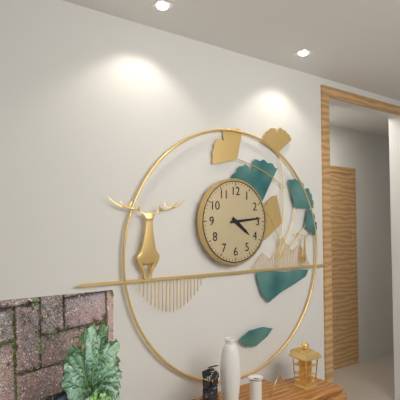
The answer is 4,14
